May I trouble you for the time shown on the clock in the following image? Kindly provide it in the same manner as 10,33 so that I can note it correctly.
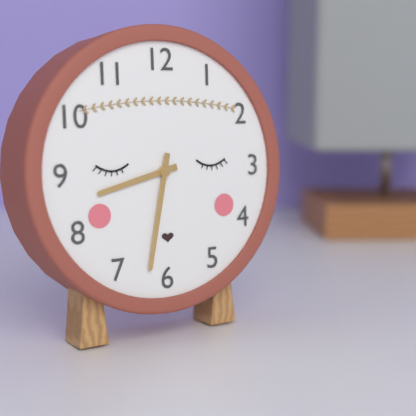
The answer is 8,32
